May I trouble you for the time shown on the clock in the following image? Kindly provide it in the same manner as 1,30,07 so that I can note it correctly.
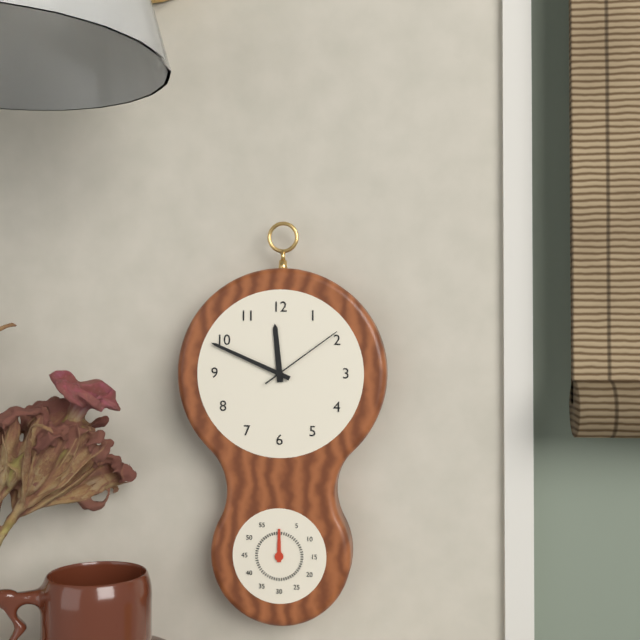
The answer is 11,49,09
